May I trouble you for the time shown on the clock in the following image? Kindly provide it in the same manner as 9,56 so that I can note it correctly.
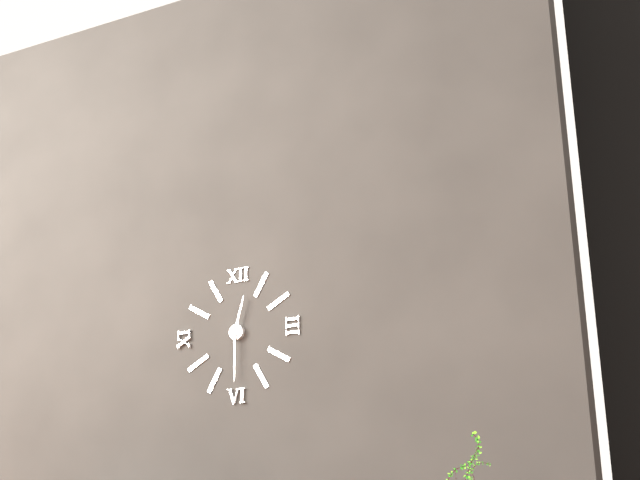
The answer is 12,30
